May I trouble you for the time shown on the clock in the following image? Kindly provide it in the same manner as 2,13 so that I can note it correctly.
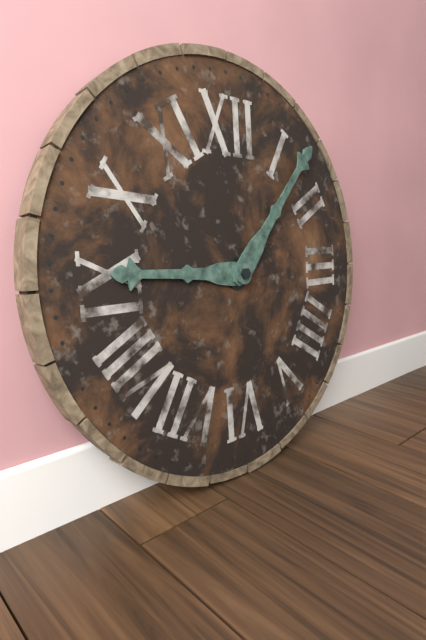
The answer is 9,07
